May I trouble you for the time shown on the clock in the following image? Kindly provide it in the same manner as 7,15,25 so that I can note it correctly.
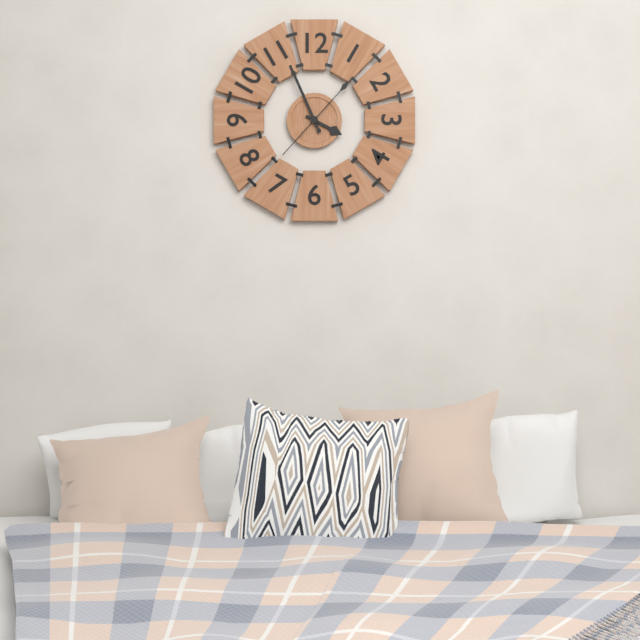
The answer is 3,56,07
